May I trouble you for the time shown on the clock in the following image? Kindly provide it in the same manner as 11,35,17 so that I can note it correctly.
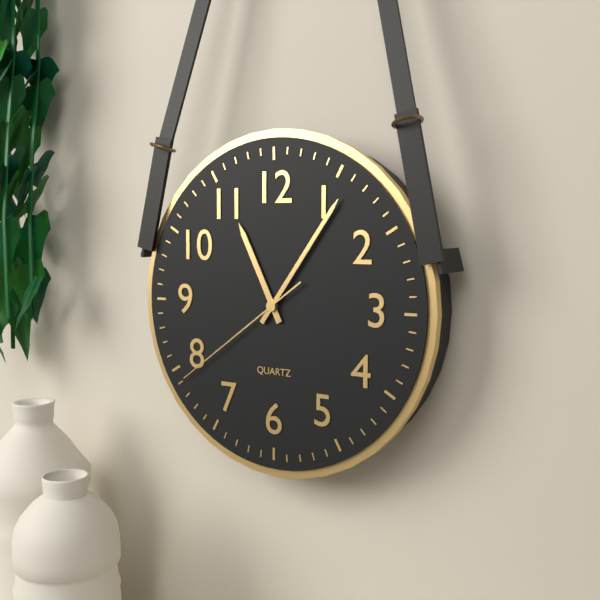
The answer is 11,06,39
